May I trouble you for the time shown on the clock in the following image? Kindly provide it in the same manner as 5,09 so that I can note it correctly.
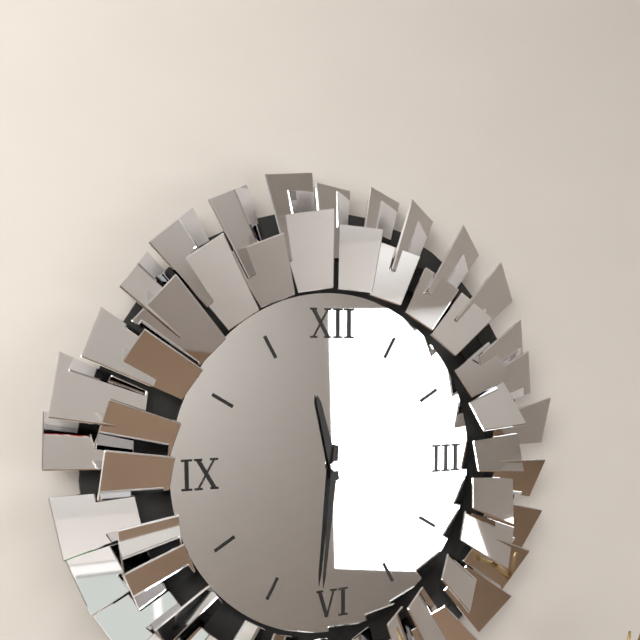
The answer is 11,31
